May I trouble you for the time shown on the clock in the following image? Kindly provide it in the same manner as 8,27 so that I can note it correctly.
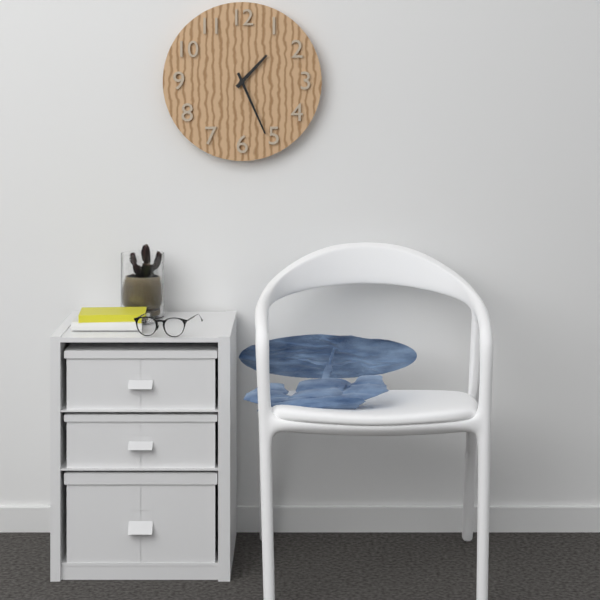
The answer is 1,26
